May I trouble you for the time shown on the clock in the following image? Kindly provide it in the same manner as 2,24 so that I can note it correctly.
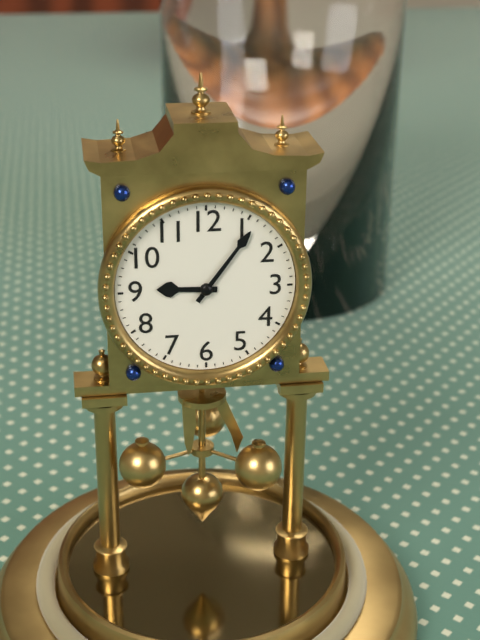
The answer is 9,06
